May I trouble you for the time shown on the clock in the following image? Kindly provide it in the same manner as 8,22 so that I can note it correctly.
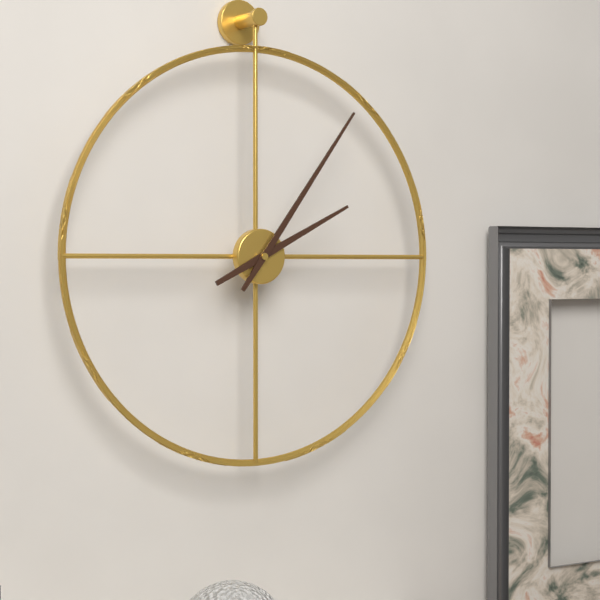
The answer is 2,06
